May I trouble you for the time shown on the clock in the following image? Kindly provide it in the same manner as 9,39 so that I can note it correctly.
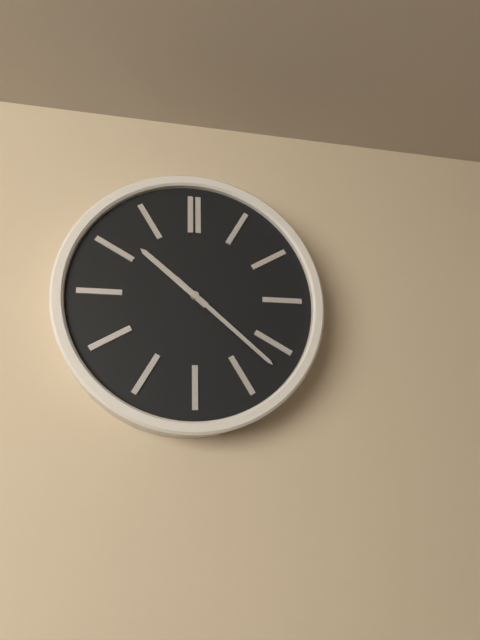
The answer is 10,22
